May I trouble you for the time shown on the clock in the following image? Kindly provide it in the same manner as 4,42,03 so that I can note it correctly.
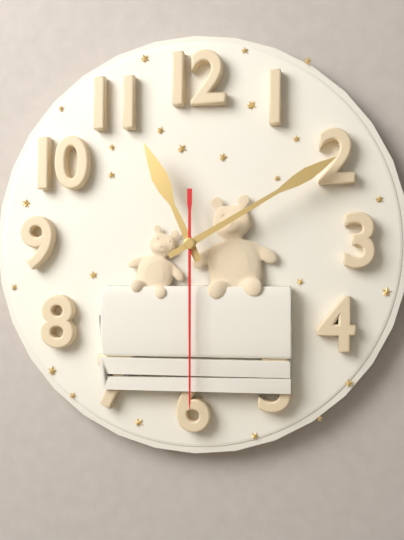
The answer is 11,10,30
